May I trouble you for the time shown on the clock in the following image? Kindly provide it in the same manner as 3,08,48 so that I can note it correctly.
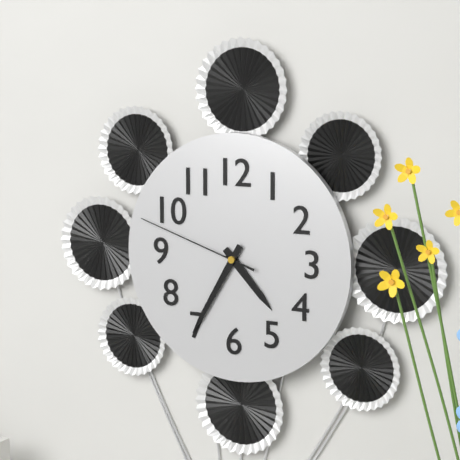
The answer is 4,35,48
